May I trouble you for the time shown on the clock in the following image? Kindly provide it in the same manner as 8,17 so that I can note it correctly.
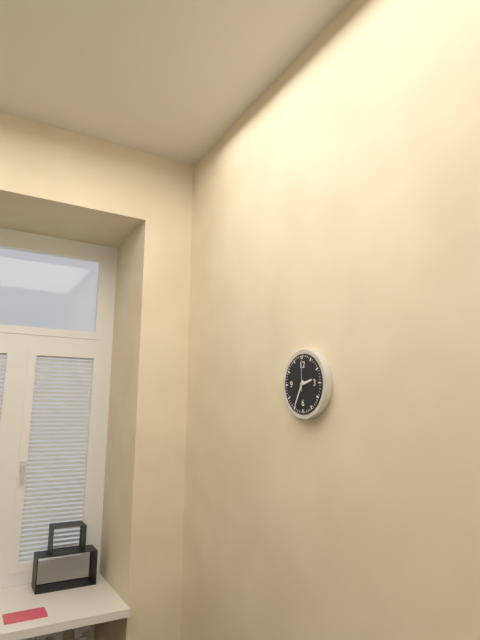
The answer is 2,35
